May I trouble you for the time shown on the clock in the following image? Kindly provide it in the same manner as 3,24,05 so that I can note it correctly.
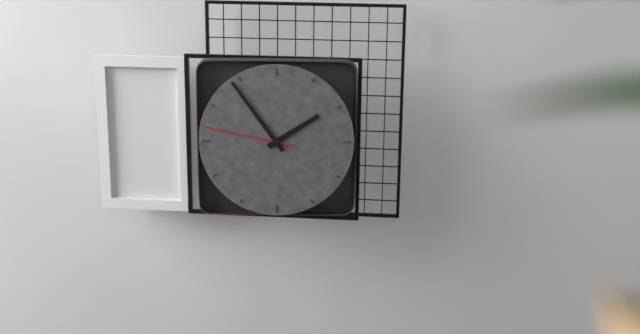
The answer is 1,54,47
